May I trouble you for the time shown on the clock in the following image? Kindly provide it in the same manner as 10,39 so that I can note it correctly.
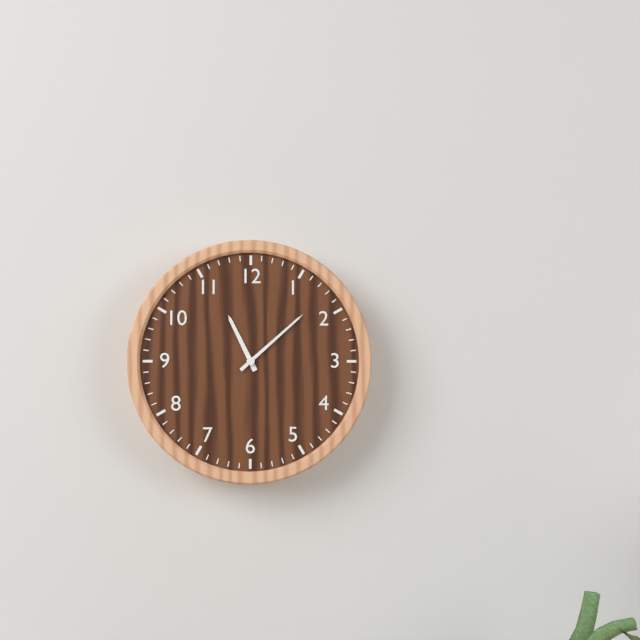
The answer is 11,08
